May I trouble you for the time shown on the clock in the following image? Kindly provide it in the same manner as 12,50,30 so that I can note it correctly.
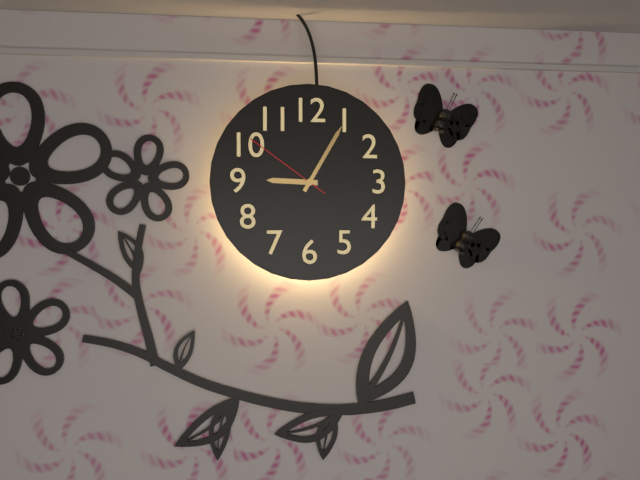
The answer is 9,05,51
